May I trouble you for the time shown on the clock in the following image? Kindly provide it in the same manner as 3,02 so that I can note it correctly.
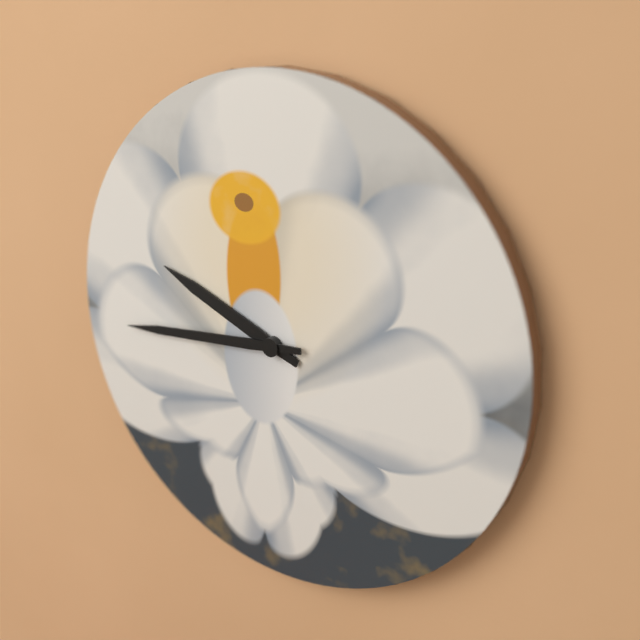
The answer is 9,44
